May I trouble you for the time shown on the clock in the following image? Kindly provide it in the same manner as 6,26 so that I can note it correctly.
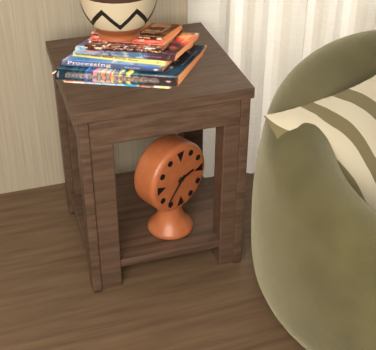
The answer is 2,37
